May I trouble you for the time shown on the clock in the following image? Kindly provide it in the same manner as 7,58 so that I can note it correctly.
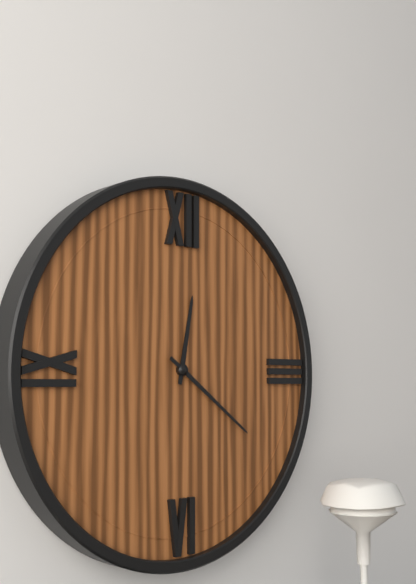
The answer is 12,21
